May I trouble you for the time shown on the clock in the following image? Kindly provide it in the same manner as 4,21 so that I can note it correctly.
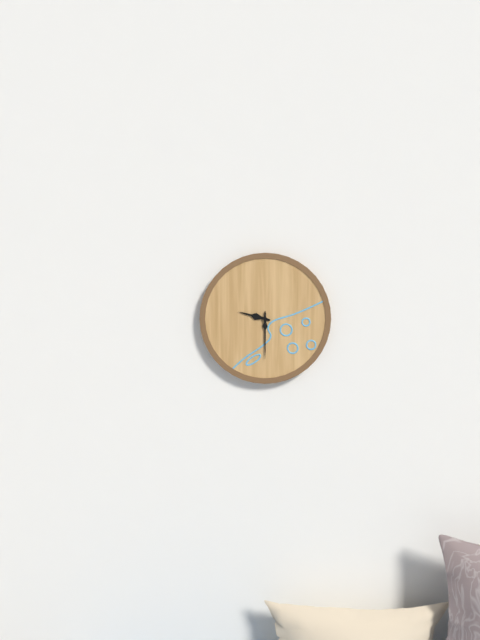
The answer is 9,30
